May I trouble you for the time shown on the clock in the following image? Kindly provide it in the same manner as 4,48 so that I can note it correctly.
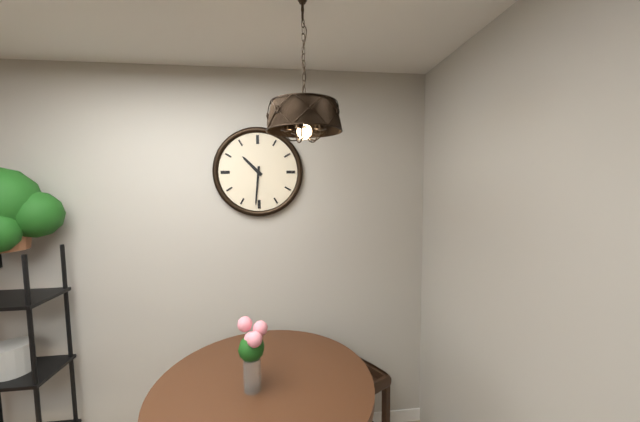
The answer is 10,31
